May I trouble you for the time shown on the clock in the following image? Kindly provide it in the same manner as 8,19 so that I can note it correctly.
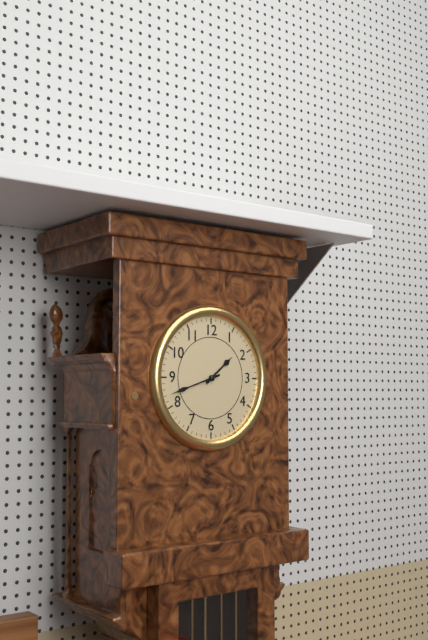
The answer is 1,42
